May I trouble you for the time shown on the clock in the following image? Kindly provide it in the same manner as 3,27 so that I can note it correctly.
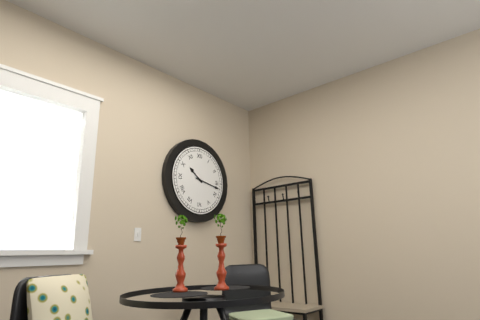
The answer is 10,17
